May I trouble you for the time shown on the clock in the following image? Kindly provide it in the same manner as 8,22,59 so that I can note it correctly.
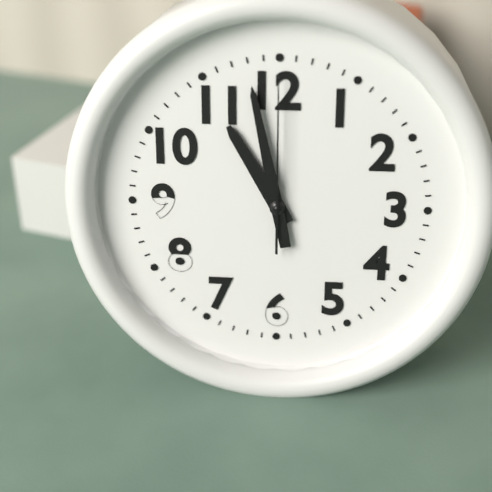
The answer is 10,58,00
